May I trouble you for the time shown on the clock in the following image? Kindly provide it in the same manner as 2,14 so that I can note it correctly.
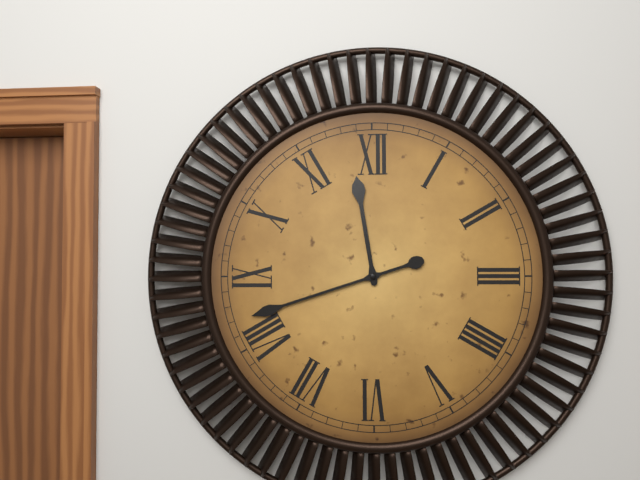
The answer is 11,42
